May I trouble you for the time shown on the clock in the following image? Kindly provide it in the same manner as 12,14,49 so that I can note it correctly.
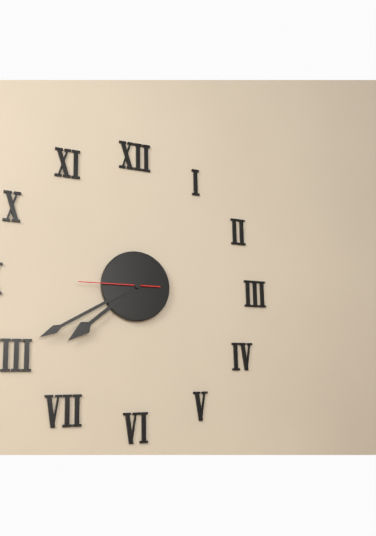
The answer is 7,40,45
